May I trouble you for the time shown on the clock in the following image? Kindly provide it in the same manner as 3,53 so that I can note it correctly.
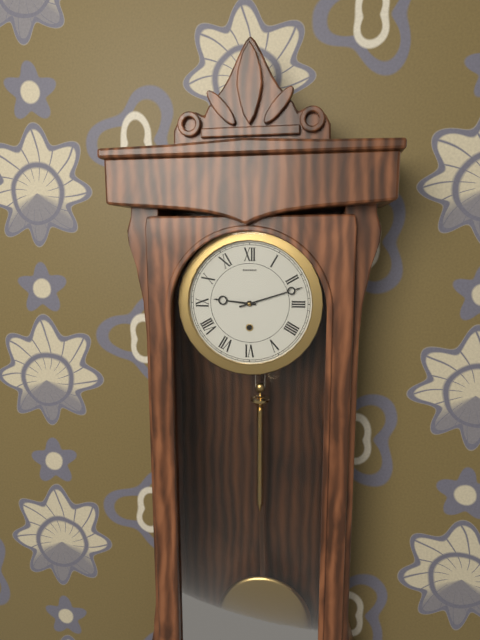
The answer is 9,12
